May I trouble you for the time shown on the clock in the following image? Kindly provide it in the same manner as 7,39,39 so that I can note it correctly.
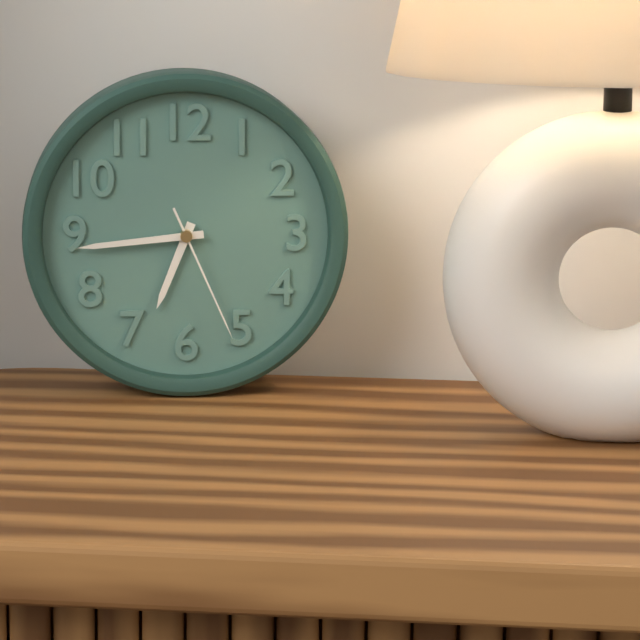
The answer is 6,44,26
